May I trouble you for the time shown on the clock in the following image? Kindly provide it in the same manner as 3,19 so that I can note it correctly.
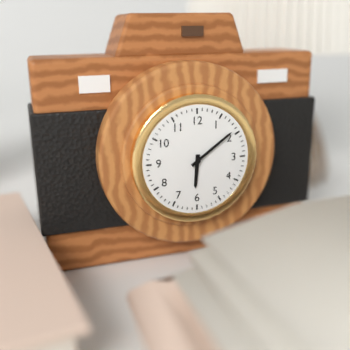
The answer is 6,09
